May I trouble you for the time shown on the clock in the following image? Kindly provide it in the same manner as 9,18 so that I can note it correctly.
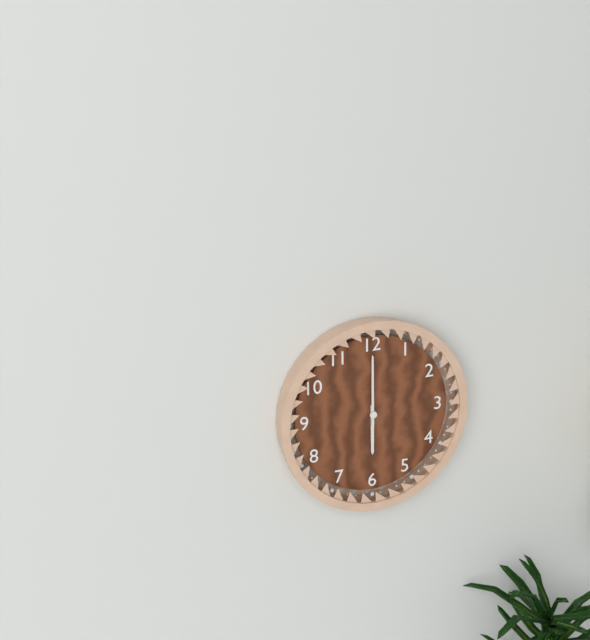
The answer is 6,00
